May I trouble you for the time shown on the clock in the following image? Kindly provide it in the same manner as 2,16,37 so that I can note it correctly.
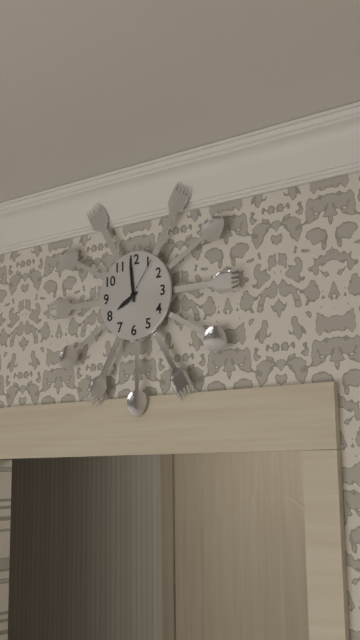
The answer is 7,59,06
